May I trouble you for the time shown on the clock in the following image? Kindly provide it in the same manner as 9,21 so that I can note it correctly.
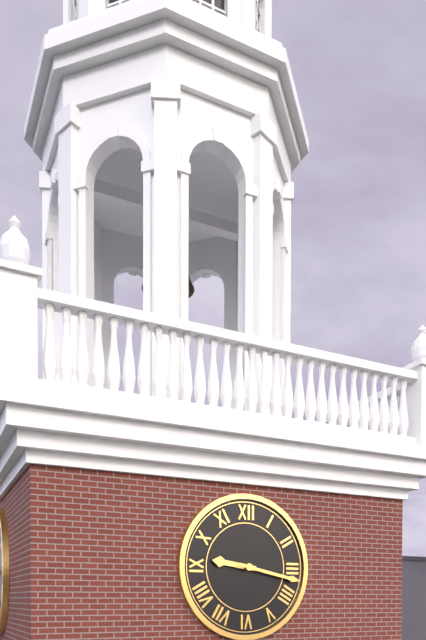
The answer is 9,17
